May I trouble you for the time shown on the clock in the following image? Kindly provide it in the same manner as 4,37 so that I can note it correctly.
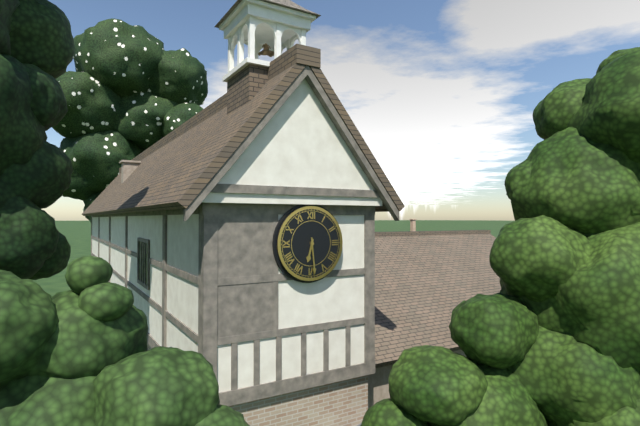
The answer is 6,29
